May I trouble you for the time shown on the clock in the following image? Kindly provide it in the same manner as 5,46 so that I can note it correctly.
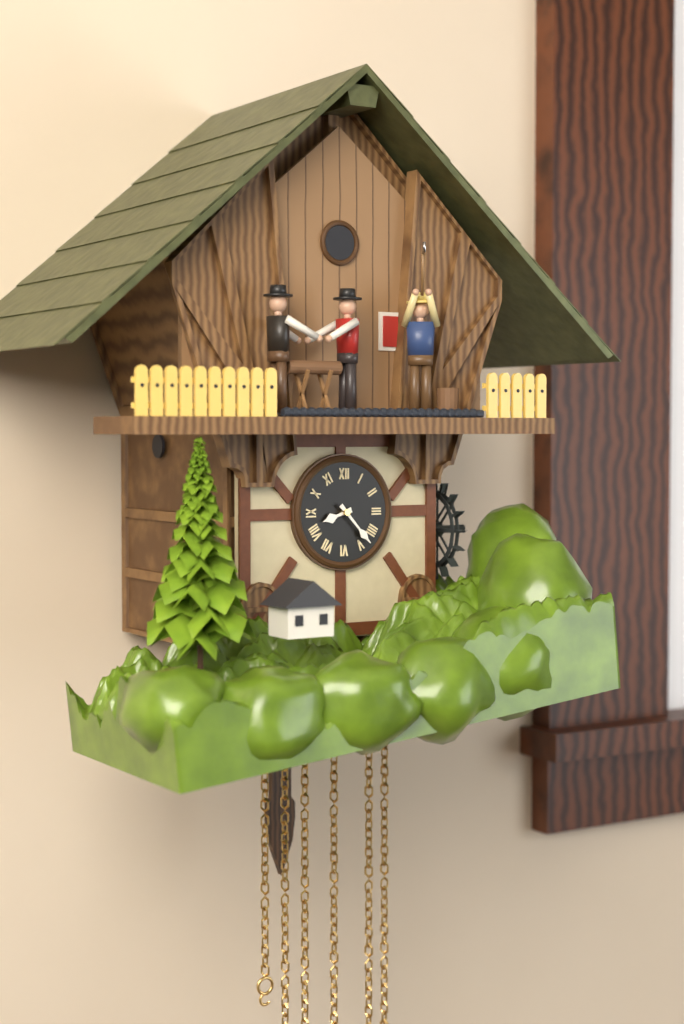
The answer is 8,23
